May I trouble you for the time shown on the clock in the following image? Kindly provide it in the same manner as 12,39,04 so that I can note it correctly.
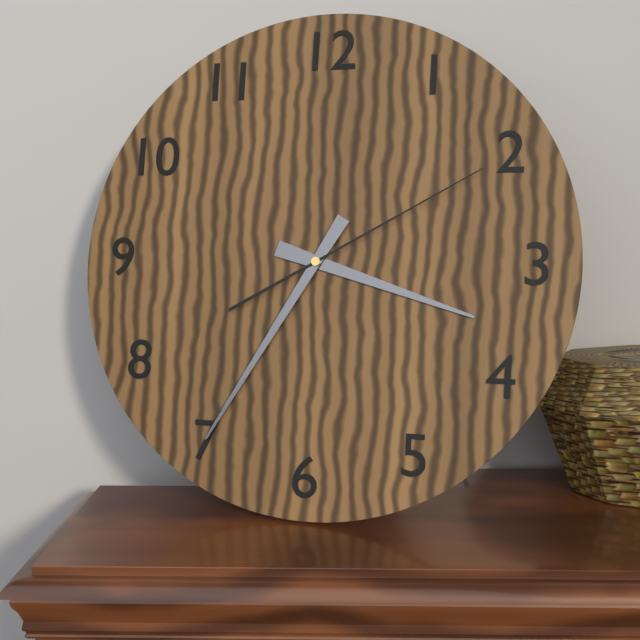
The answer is 3,35,10
